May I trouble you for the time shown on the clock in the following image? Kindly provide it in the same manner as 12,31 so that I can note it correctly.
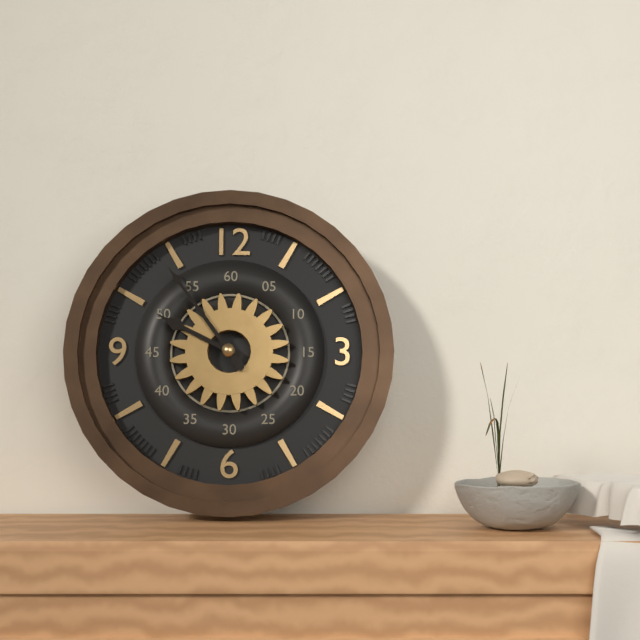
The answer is 9,54
